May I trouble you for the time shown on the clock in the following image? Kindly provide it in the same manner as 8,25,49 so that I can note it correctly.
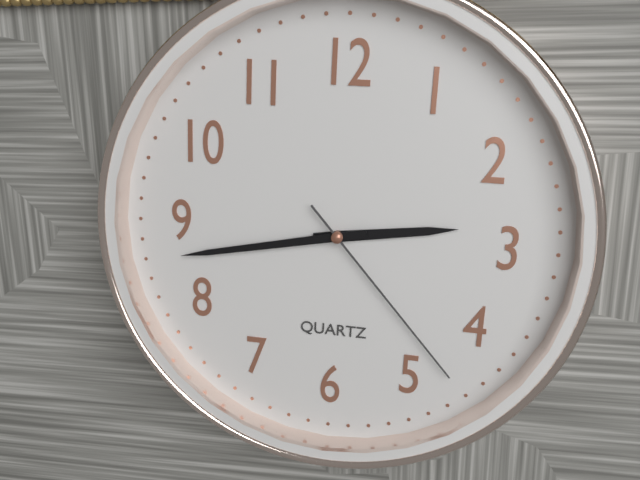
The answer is 2,43,23
